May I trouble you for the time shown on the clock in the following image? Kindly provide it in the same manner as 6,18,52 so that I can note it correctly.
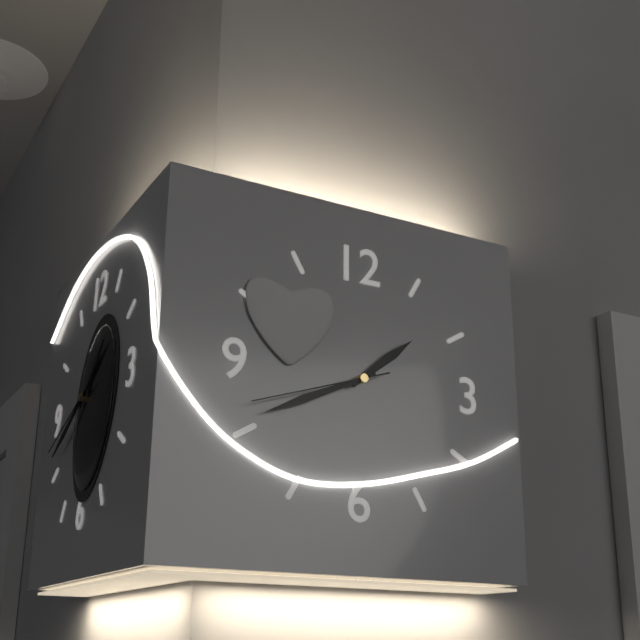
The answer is 1,41,42
